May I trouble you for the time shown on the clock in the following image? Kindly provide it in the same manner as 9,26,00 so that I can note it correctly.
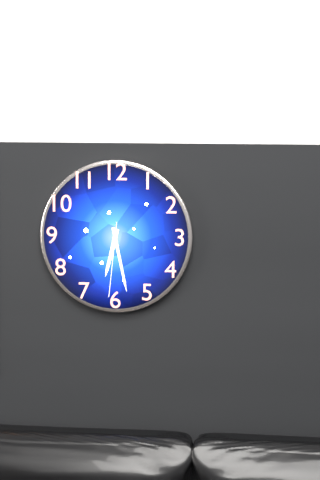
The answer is 6,28,31
